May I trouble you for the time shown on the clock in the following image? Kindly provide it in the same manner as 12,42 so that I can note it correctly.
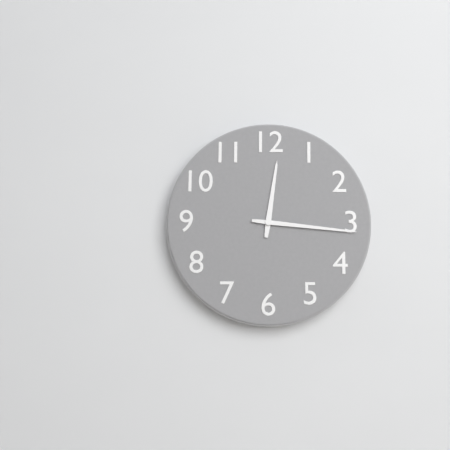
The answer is 12,16
